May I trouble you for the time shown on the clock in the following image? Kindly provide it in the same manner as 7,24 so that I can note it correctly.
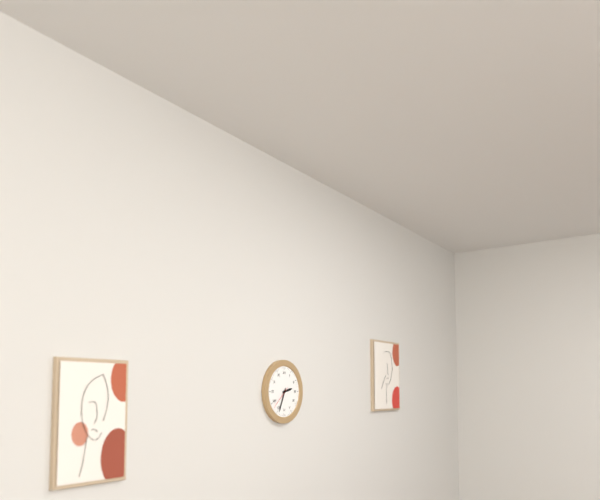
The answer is 2,34
